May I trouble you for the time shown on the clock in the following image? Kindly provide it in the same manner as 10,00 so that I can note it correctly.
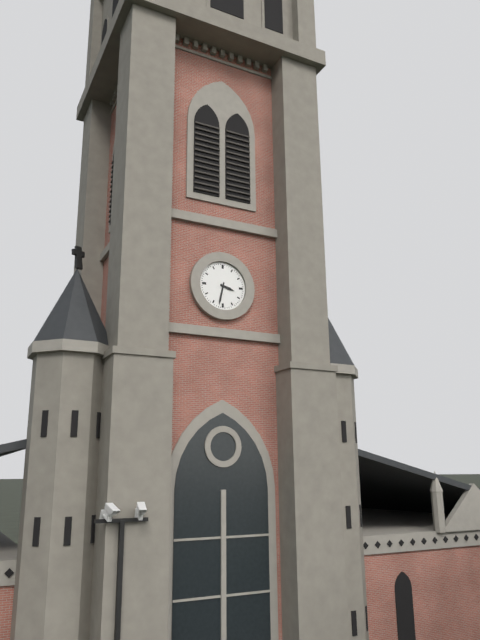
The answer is 3,32
